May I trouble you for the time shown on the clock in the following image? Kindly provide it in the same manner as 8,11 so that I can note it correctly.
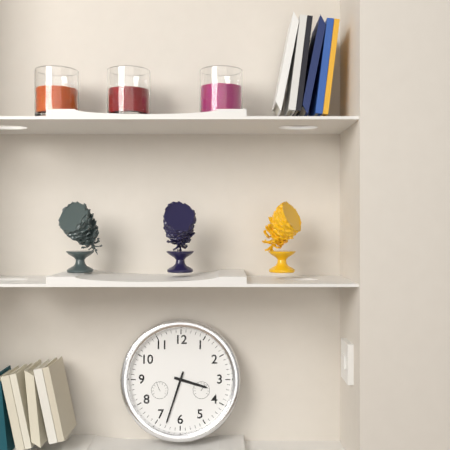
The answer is 3,33
